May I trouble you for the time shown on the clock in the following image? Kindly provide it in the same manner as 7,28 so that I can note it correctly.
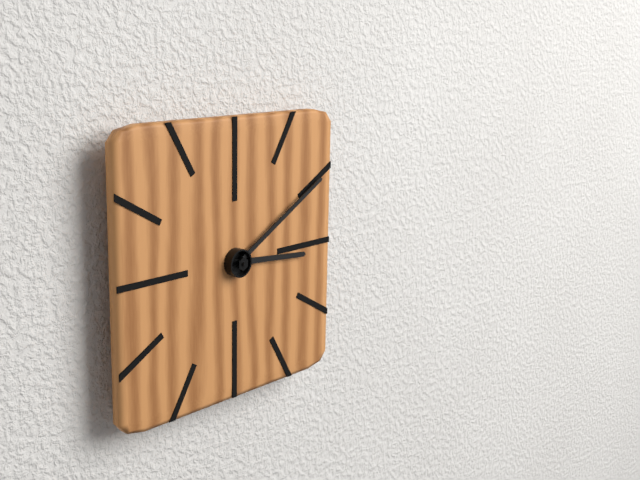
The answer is 3,10
